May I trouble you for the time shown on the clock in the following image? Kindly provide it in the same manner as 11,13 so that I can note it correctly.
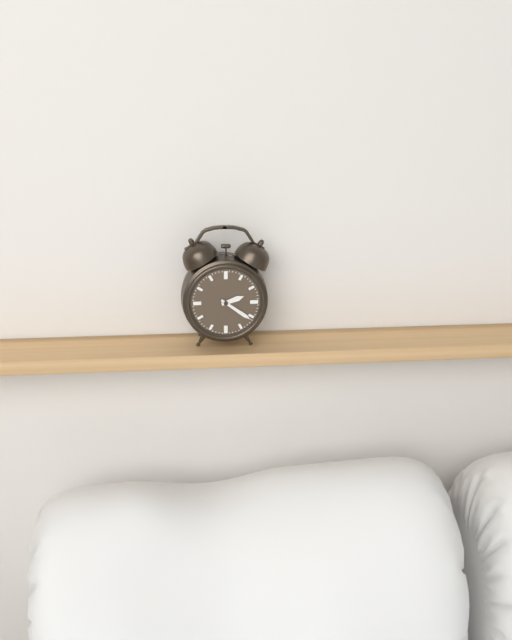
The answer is 2,21
